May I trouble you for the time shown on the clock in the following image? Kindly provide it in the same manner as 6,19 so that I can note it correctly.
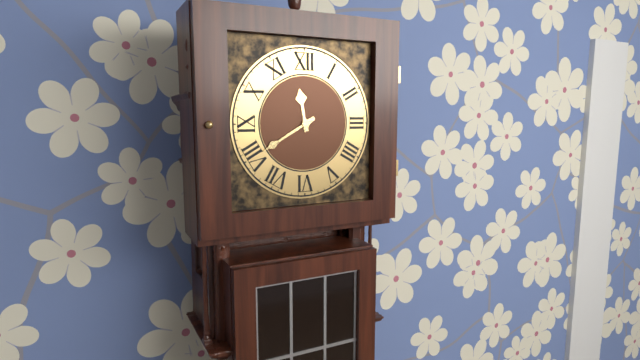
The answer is 11,40
